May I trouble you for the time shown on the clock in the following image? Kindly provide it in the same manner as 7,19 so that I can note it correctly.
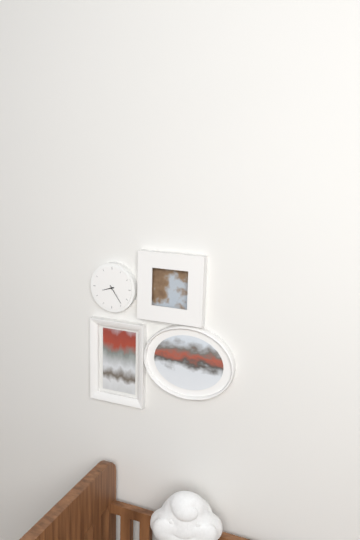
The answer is 8,24
